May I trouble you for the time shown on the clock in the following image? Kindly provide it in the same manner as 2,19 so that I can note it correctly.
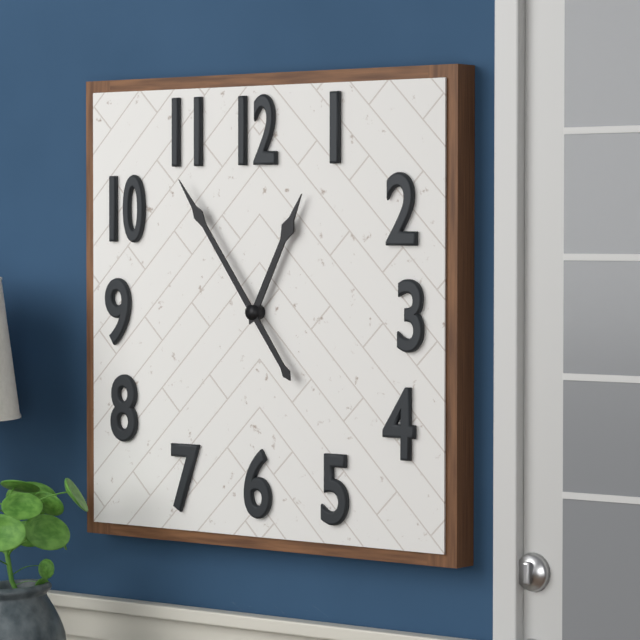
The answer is 12,54
